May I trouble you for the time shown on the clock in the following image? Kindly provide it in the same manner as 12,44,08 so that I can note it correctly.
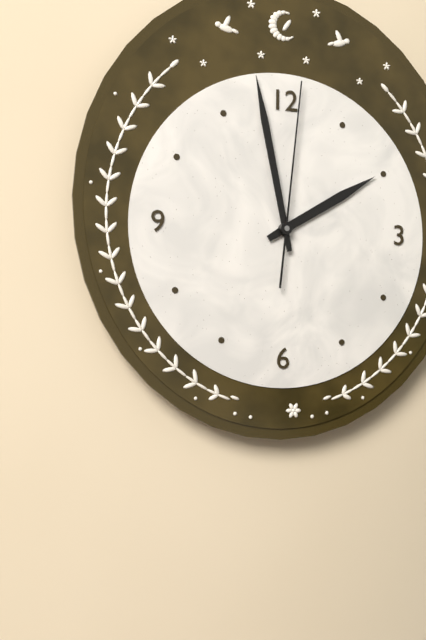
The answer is 1,58,01
